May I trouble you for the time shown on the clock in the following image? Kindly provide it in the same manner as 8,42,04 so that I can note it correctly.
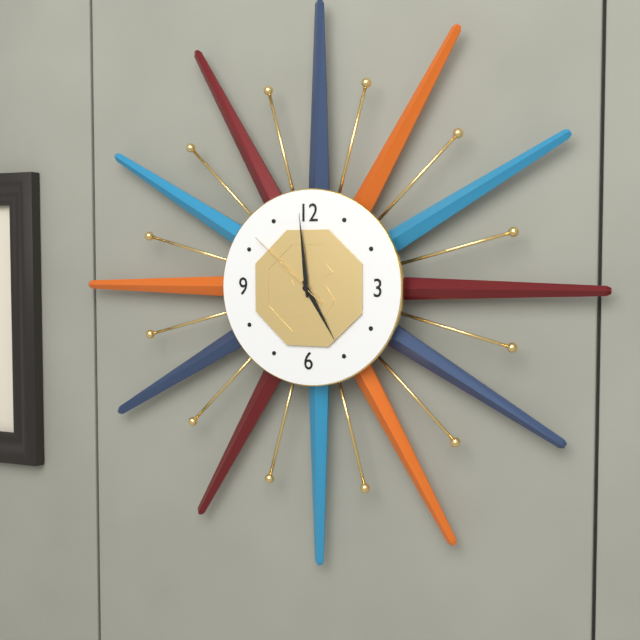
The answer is 4,59,52
